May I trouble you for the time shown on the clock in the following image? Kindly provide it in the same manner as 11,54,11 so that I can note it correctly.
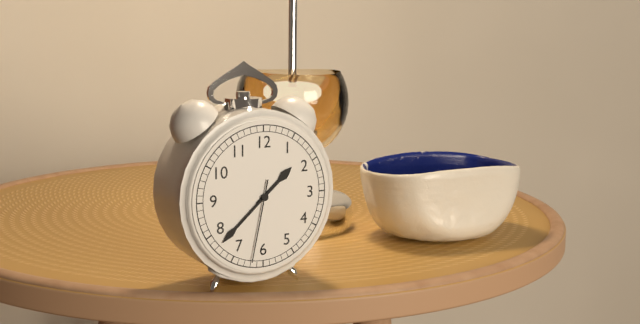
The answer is 1,38,32
